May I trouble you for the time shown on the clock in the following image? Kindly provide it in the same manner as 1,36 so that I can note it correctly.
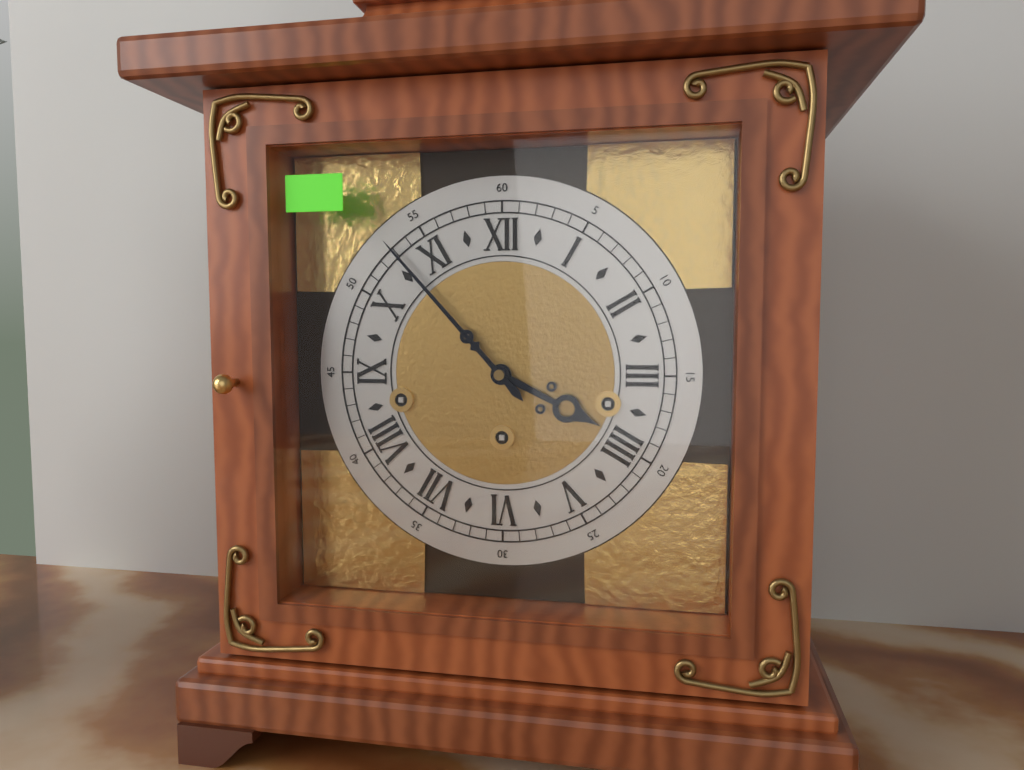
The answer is 3,53
